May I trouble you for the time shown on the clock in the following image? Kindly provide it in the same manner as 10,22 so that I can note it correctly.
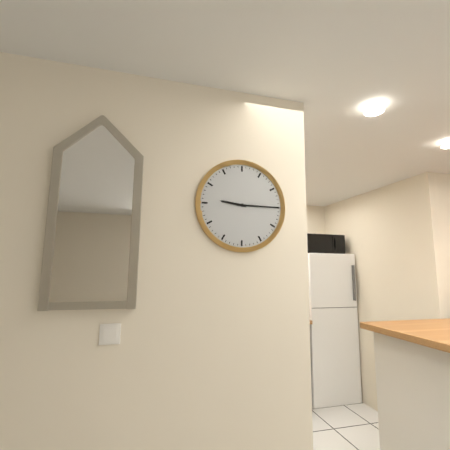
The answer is 9,15
